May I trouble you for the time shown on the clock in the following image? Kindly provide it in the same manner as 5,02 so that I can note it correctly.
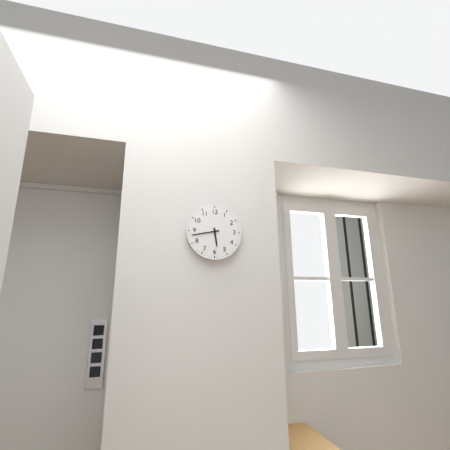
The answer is 5,43
